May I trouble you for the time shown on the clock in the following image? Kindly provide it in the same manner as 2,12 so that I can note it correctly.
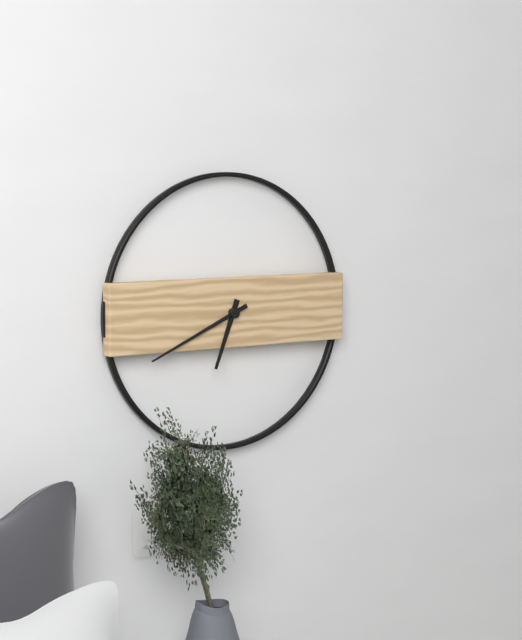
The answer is 6,41
